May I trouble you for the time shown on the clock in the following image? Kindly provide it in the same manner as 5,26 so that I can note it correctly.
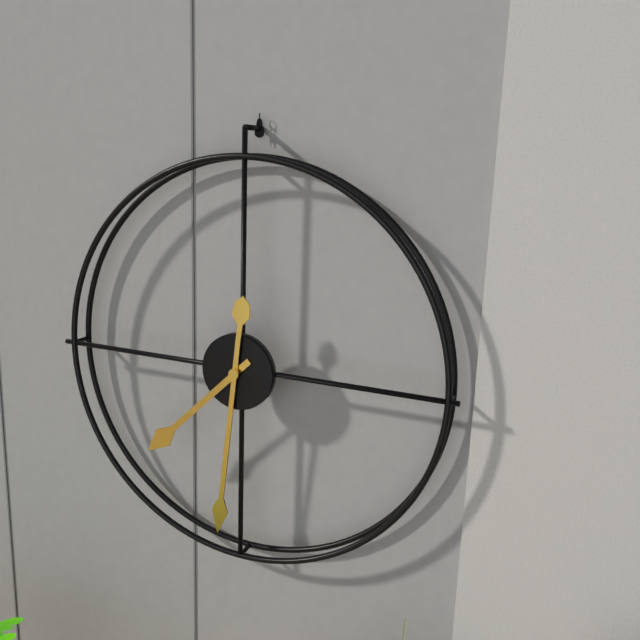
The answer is 7,31
